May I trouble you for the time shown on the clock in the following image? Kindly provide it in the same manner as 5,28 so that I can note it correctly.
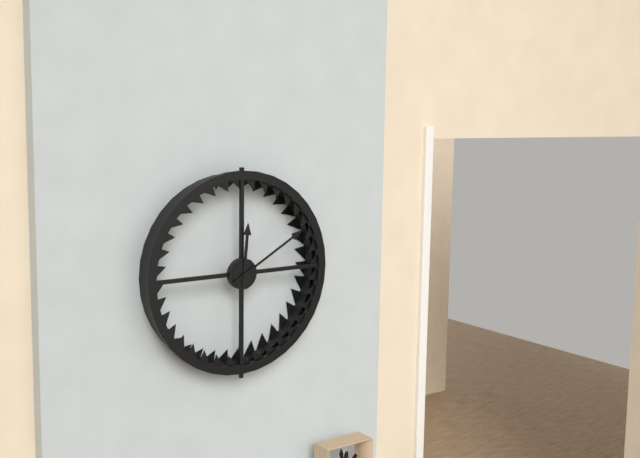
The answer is 12,10
